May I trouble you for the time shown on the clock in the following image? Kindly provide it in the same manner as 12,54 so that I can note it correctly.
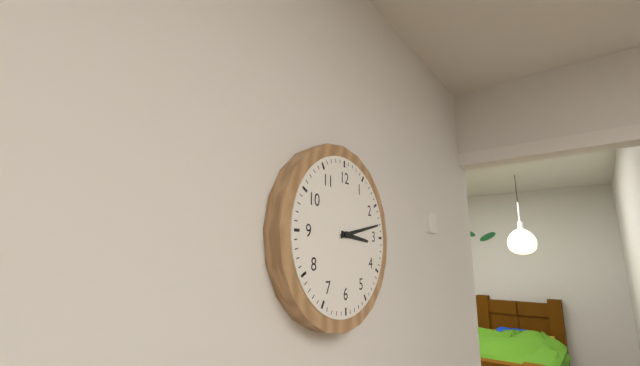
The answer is 3,13
